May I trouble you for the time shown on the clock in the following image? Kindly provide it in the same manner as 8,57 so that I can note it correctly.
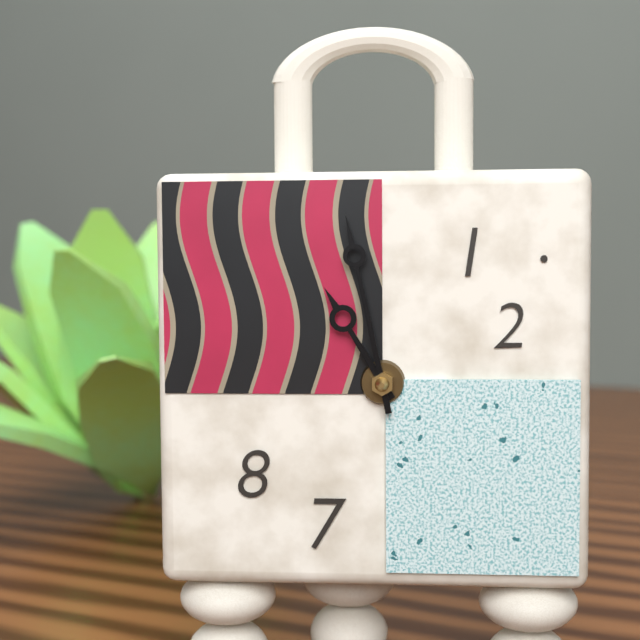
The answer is 10,58
